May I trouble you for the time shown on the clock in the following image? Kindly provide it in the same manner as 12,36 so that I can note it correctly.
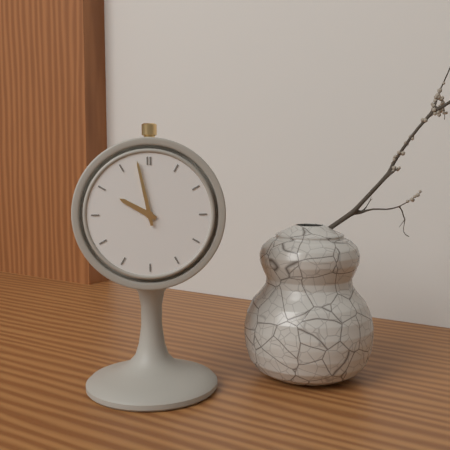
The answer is 9,58
